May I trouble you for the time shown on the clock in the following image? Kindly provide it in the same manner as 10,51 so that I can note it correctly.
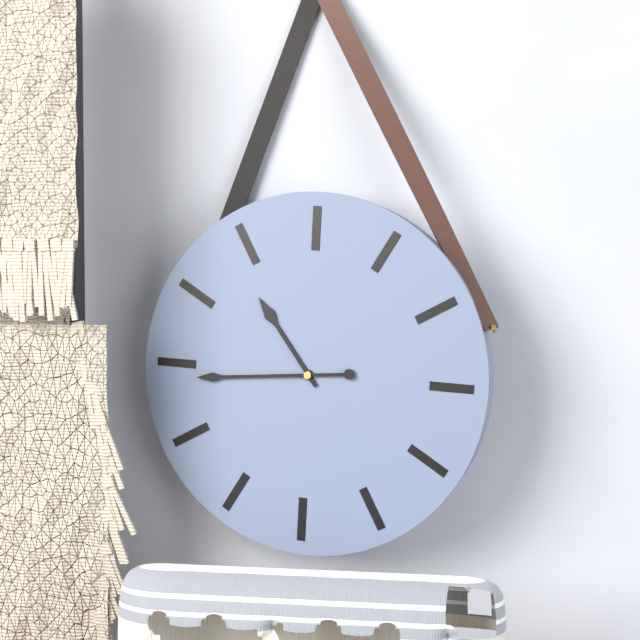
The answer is 10,44
